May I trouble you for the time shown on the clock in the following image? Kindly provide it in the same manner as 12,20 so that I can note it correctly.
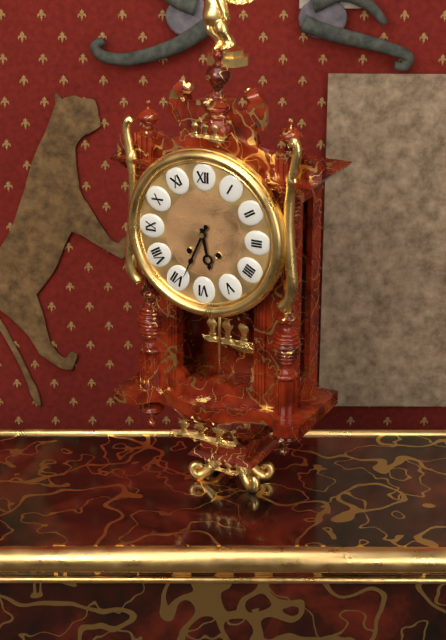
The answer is 5,34
